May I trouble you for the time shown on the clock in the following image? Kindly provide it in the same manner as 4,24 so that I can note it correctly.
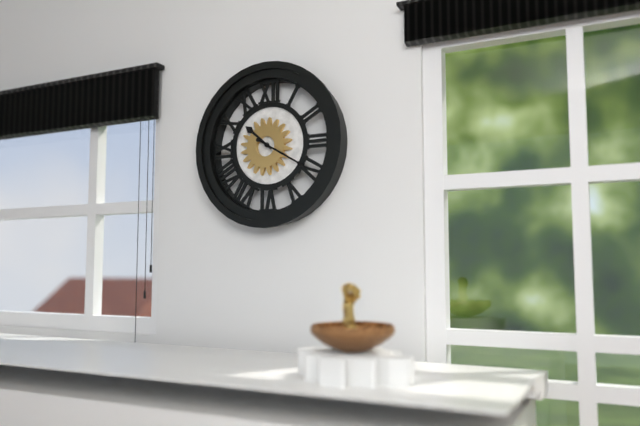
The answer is 10,20
